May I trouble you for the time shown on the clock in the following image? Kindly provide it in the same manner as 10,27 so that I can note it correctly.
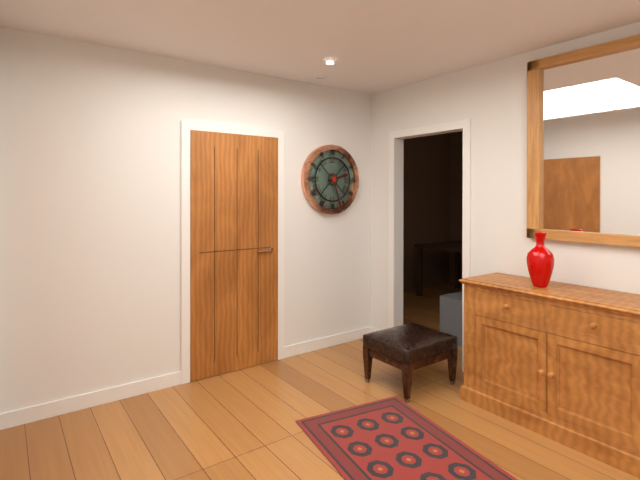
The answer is 2,27
